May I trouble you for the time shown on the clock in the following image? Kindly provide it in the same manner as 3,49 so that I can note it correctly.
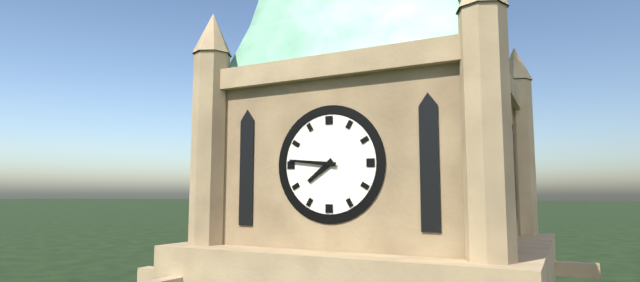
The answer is 7,46
